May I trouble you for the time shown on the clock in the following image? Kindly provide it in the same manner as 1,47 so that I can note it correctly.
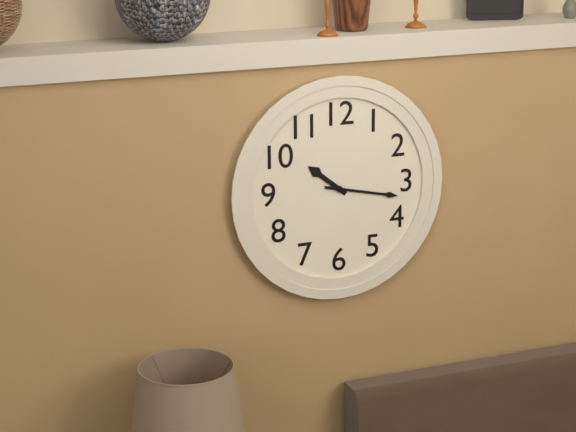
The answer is 10,17
